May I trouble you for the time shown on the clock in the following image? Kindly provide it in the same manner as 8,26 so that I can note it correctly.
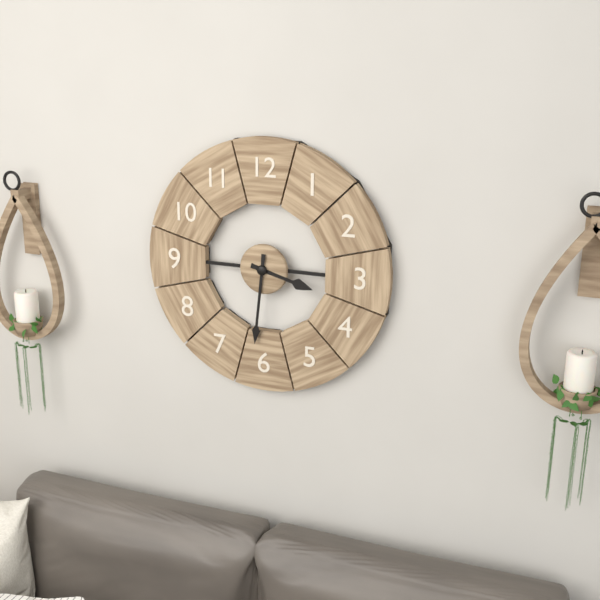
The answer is 3,31
